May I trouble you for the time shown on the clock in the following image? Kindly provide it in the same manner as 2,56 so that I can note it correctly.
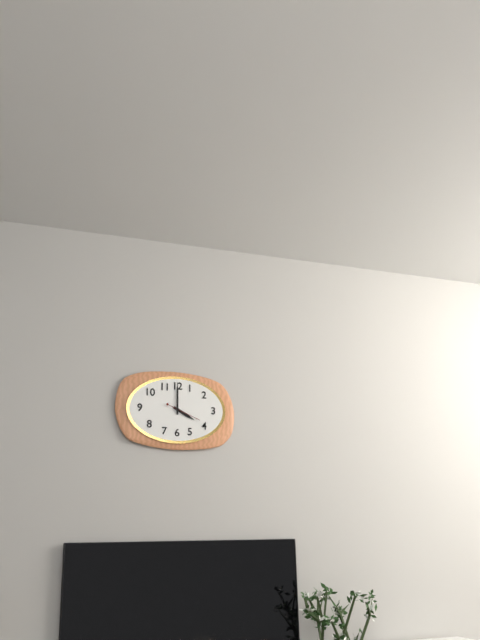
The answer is 4,00
